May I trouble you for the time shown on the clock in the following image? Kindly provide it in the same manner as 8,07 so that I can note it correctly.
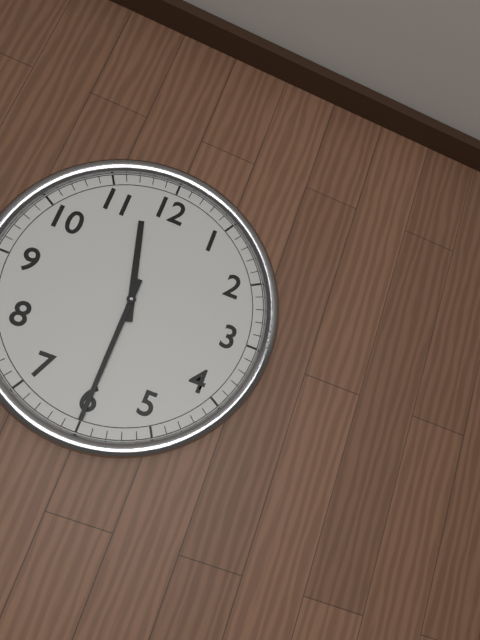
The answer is 11,30
